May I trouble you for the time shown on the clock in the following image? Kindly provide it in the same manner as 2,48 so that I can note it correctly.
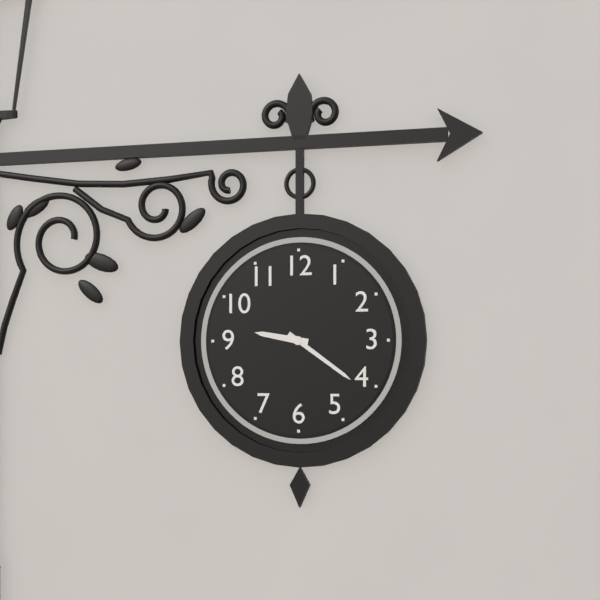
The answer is 9,21
